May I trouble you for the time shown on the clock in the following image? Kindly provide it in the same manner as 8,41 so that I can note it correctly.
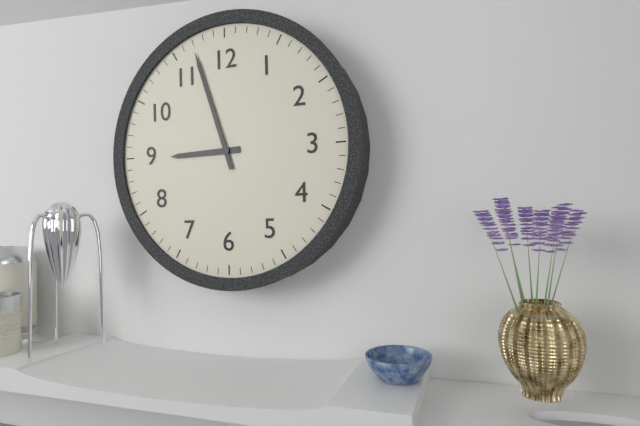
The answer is 8,57
